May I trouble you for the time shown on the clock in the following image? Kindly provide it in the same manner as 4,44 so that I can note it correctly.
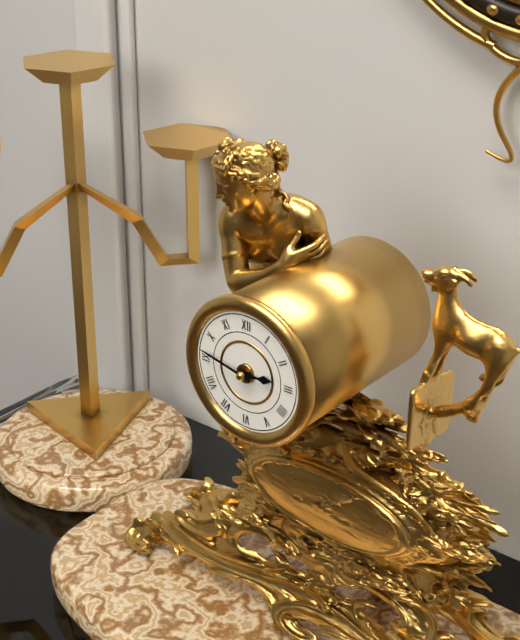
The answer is 2,47
